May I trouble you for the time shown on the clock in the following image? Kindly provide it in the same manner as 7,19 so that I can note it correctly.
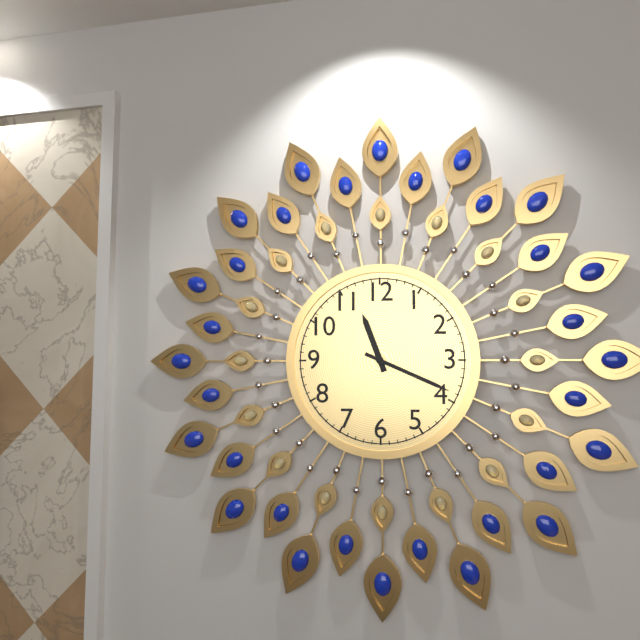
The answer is 11,19
